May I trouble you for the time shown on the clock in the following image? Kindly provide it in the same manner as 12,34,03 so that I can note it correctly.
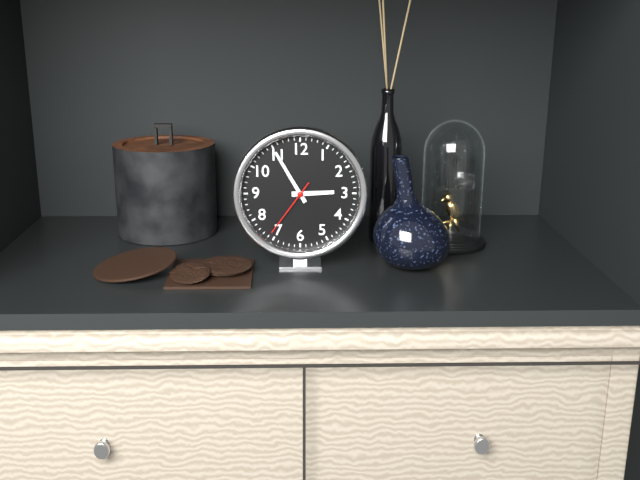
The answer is 2,55,36
